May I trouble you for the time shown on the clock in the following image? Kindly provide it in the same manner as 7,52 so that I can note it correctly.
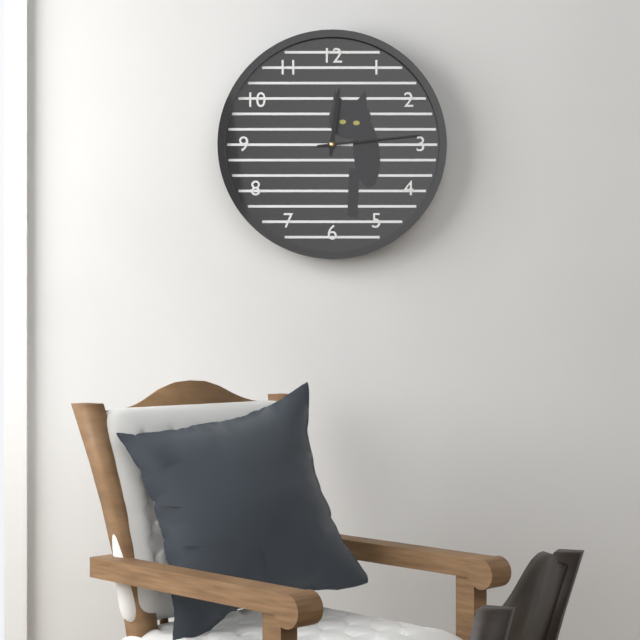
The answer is 12,14
